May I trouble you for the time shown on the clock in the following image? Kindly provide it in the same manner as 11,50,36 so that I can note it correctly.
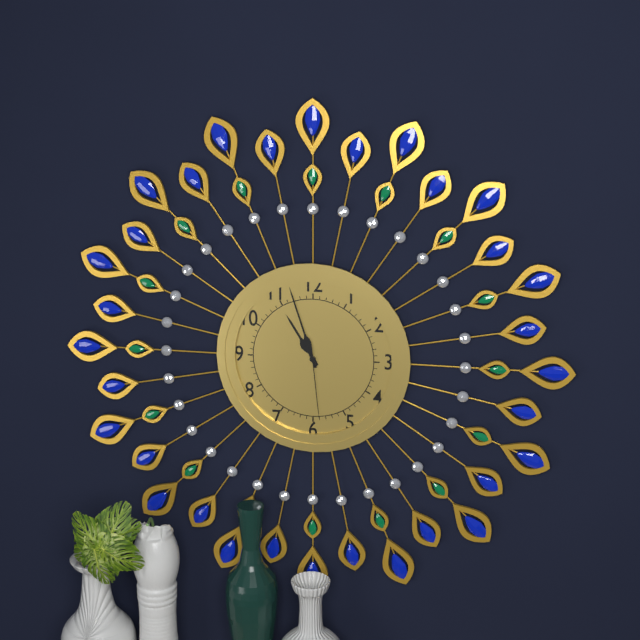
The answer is 10,57,29
